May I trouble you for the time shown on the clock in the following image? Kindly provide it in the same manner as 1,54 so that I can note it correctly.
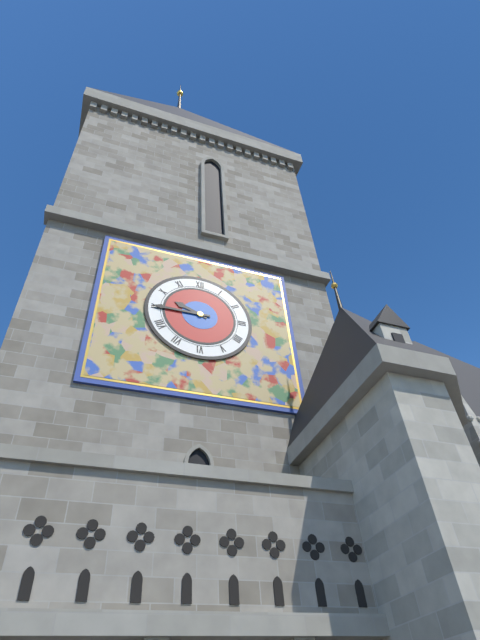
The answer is 9,45
